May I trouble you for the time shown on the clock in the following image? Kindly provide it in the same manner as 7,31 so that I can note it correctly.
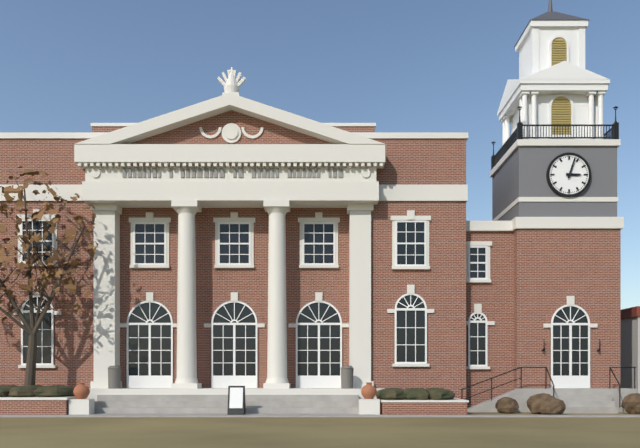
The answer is 3,03
